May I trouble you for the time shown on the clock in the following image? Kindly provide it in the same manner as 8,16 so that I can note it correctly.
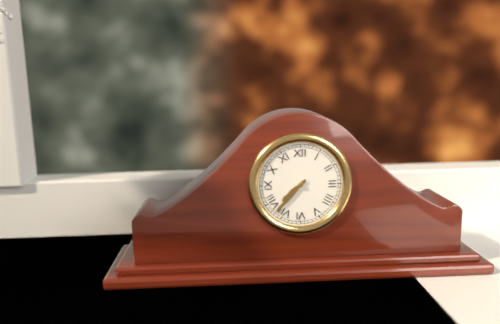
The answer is 7,37
